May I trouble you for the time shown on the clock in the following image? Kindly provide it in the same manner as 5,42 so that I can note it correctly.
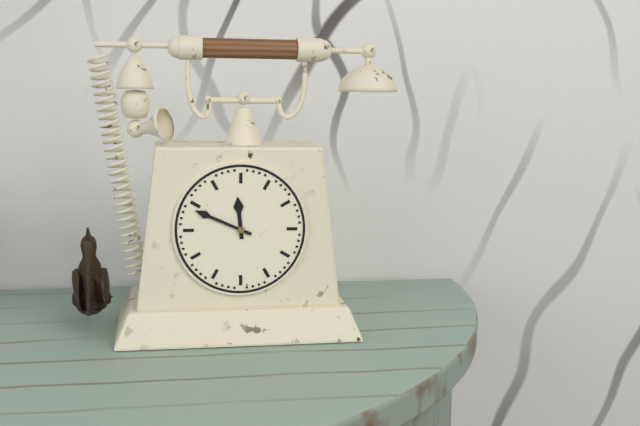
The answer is 11,49
